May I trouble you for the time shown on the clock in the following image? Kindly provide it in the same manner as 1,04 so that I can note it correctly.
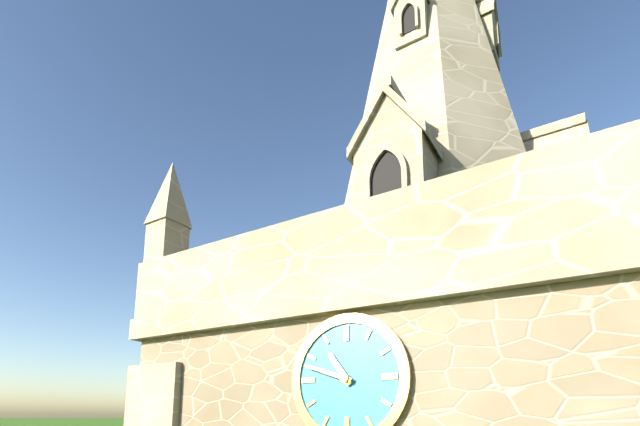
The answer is 10,48
